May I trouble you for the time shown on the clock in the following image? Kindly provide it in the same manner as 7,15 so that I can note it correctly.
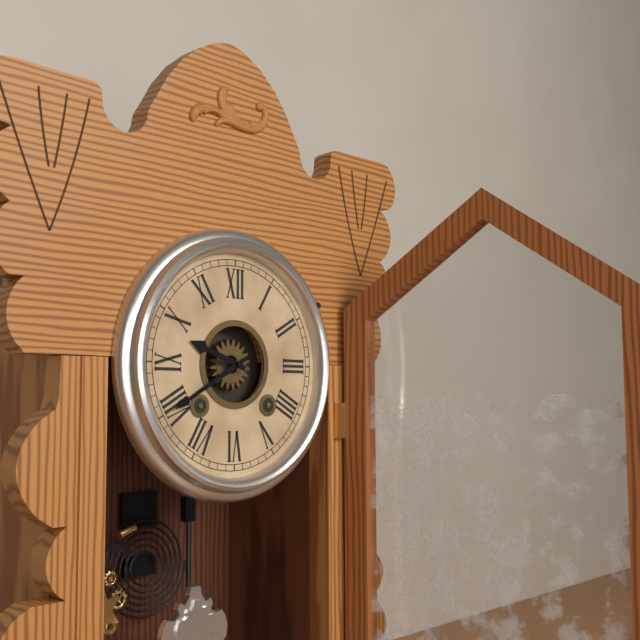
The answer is 9,40
